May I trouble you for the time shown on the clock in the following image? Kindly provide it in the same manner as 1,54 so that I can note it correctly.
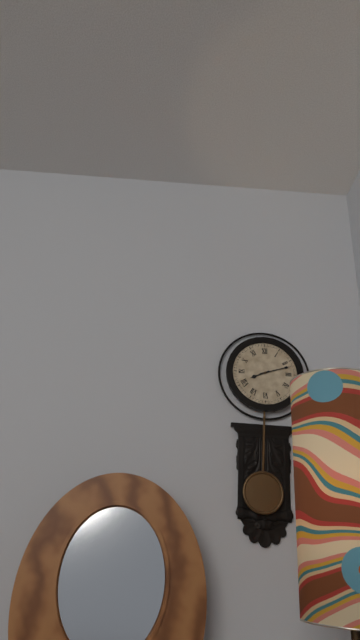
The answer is 8,12
